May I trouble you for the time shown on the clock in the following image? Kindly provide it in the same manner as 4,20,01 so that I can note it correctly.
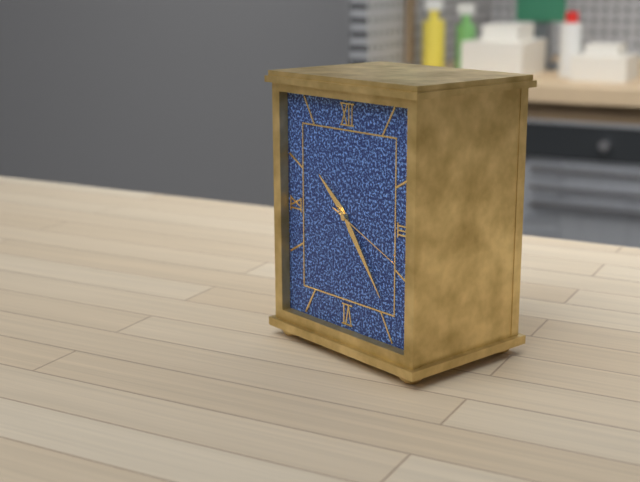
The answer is 10,24,19
